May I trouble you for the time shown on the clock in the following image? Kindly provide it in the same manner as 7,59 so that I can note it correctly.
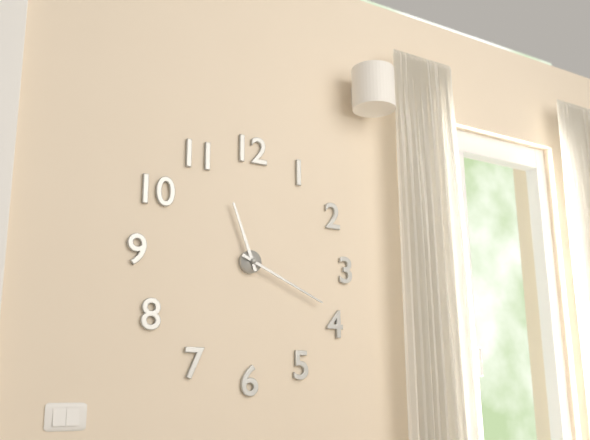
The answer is 11,19
